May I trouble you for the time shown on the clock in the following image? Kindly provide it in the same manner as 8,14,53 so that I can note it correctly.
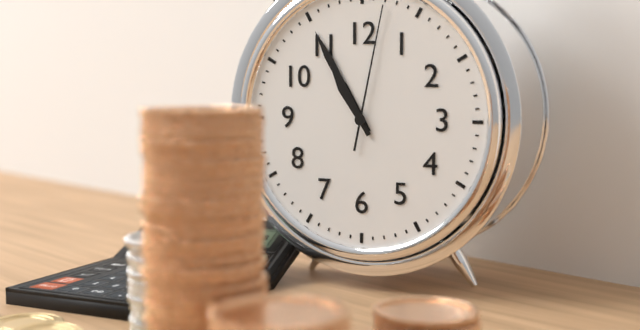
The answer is 10,55,02
